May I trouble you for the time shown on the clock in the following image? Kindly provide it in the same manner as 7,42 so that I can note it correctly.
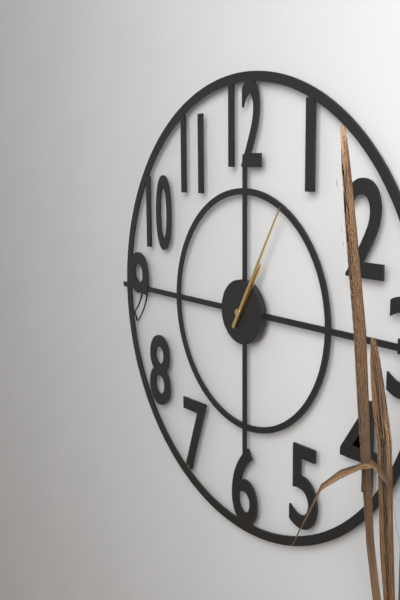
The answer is 1,05
